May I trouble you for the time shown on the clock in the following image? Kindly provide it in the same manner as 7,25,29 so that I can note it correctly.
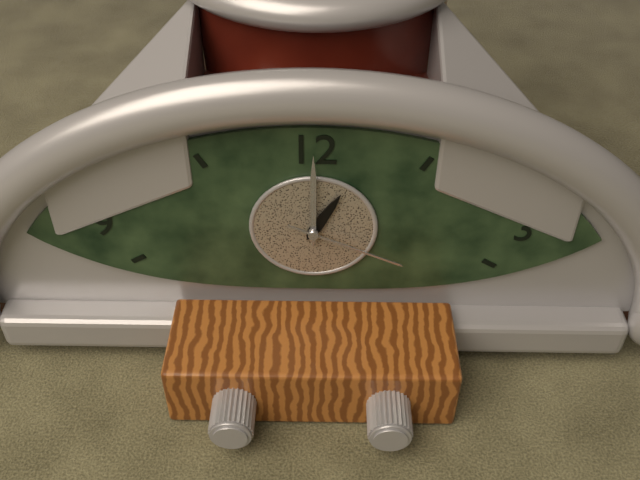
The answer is 1,00,19
